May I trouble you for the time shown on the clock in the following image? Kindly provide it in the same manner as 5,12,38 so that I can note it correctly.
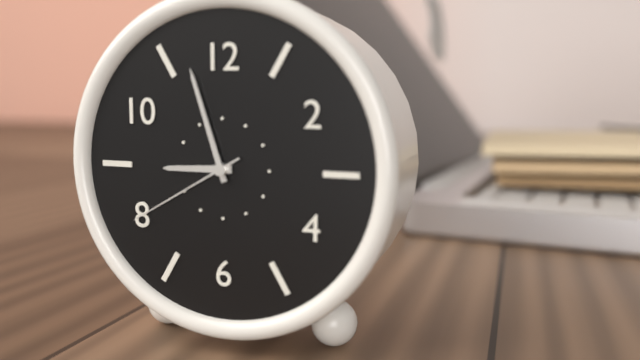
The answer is 8,57,40
